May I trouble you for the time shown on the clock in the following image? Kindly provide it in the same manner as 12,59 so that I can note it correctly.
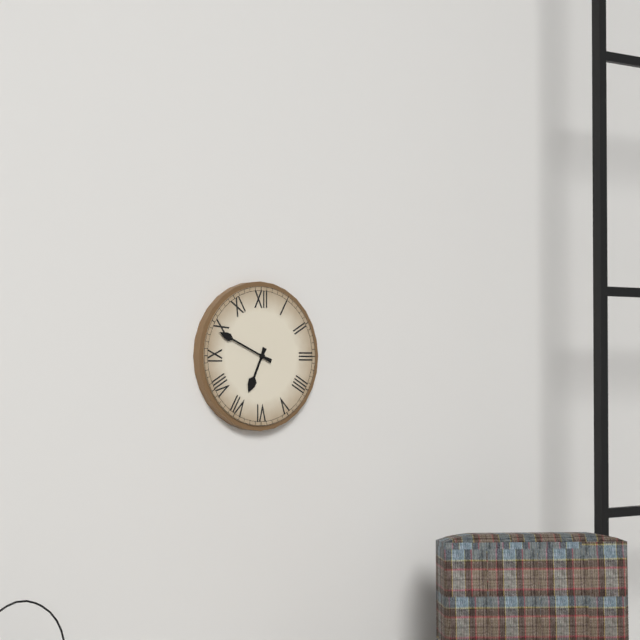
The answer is 6,49
